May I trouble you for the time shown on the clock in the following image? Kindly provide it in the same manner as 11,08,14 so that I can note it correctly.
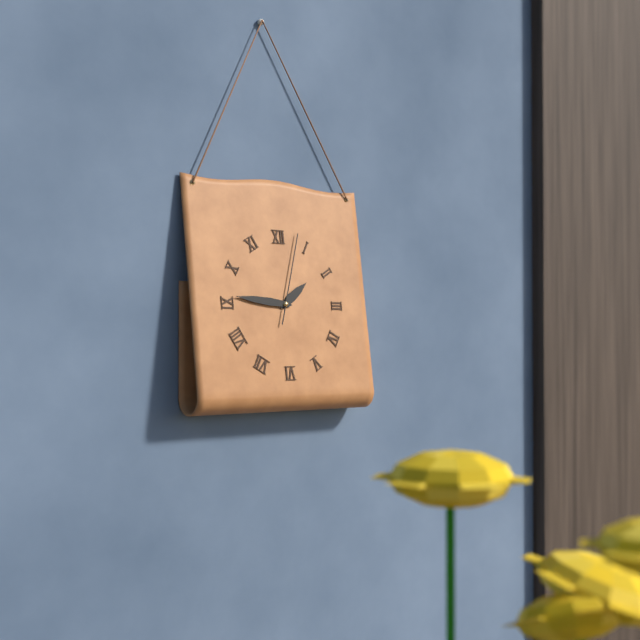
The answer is 1,46,03
